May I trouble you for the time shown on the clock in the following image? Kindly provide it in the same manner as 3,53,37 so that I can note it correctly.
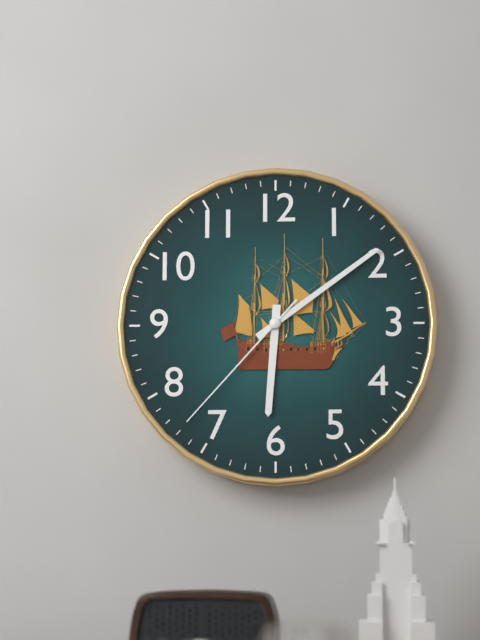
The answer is 6,09,37
